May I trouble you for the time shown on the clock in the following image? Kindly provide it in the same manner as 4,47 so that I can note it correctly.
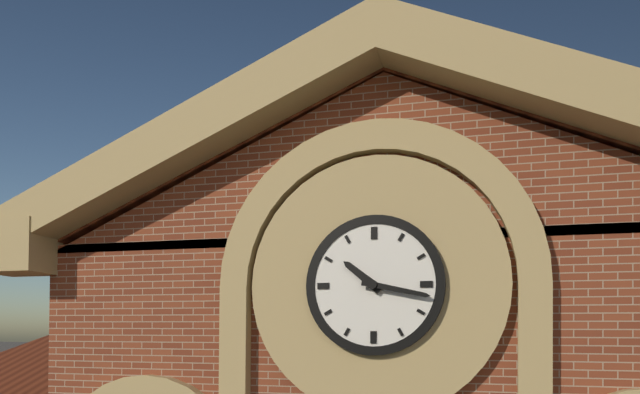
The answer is 10,17
